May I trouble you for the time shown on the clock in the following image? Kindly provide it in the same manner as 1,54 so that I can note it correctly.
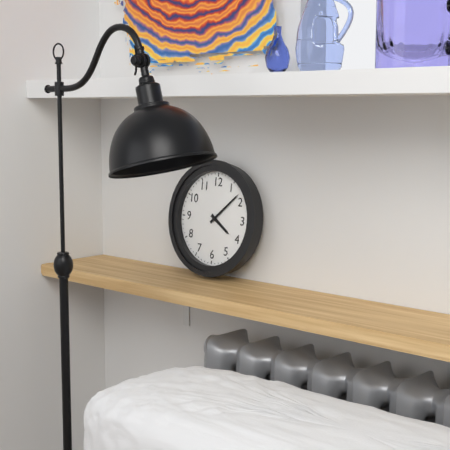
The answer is 4,08
